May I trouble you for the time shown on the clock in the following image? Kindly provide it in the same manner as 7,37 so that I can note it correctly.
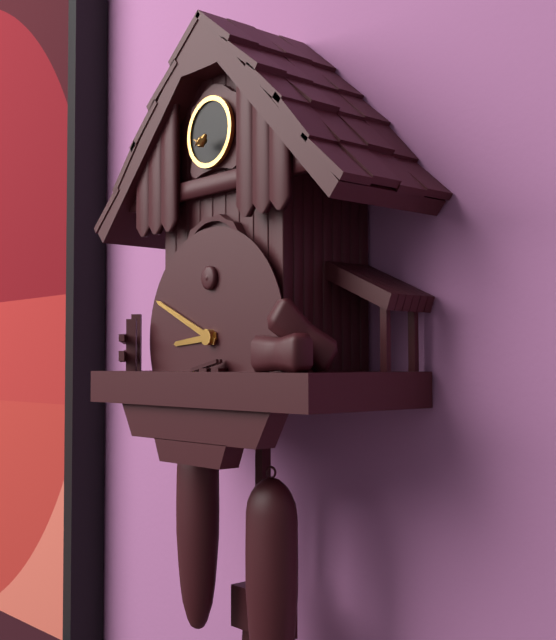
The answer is 8,49
